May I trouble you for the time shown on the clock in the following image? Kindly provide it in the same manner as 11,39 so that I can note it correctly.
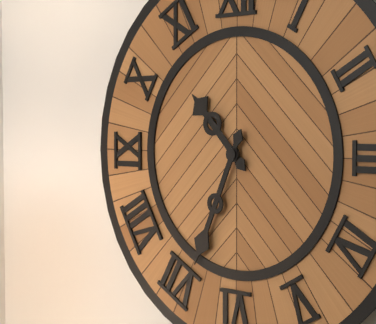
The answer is 10,34
